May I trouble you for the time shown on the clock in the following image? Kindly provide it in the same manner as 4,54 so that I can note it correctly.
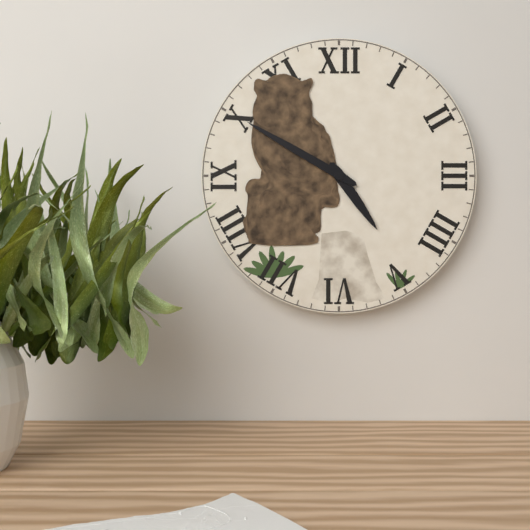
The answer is 4,50
